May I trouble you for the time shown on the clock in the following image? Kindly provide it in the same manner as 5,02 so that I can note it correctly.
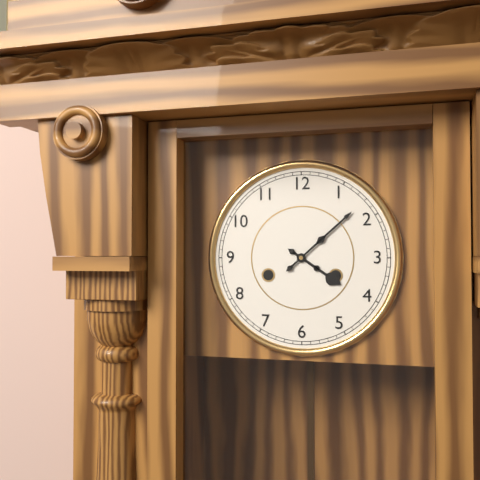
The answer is 4,08
